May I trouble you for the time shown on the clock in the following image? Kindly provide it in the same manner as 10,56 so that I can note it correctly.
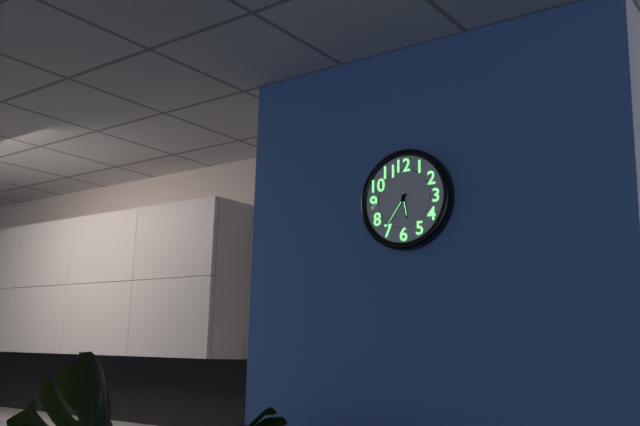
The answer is 5,36
